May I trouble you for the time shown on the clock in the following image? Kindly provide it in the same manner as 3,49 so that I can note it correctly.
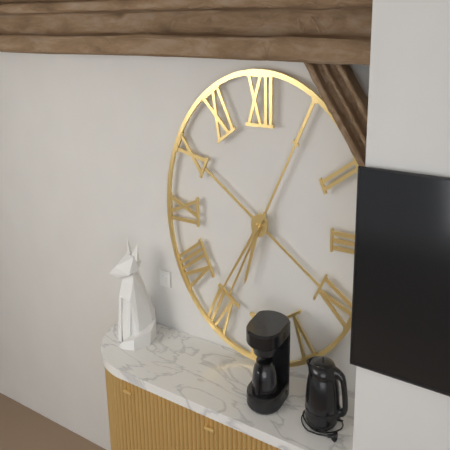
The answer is 6,36
